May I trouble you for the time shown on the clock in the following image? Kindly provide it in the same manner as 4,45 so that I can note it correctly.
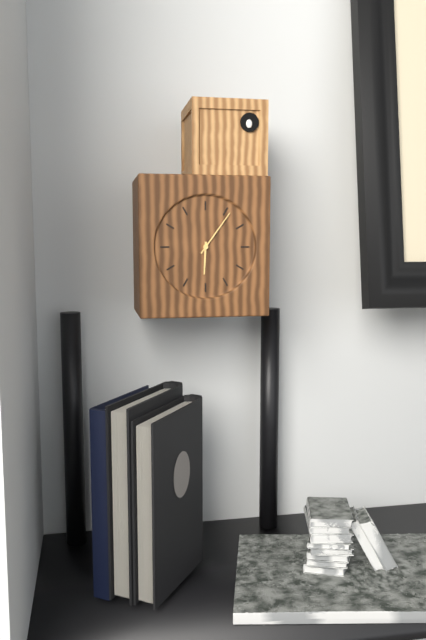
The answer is 6,06
